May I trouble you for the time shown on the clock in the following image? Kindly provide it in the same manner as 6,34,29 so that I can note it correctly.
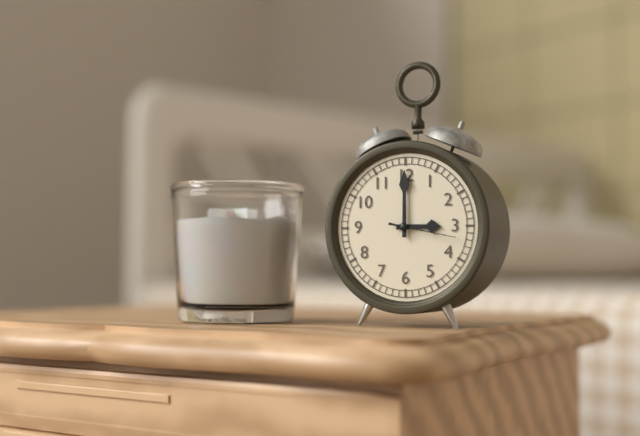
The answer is 3,00,17
